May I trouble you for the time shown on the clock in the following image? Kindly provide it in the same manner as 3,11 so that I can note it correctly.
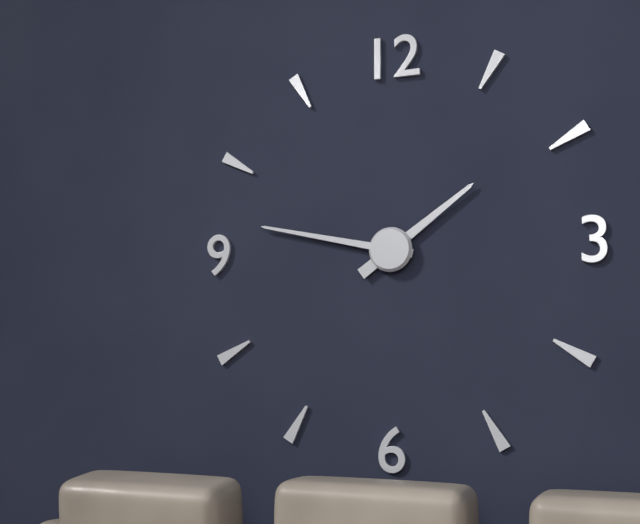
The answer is 1,47
